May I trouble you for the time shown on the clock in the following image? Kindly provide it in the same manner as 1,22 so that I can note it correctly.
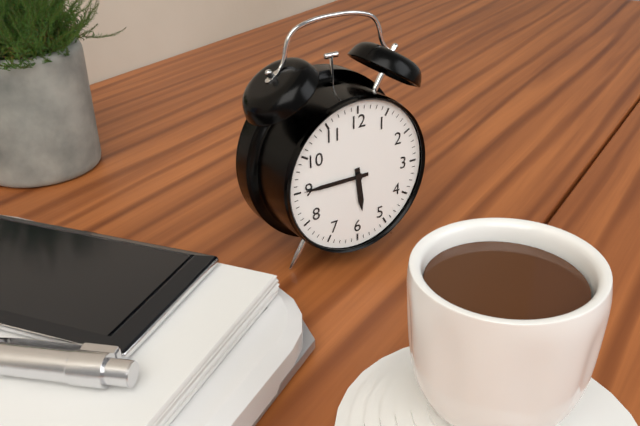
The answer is 5,45
